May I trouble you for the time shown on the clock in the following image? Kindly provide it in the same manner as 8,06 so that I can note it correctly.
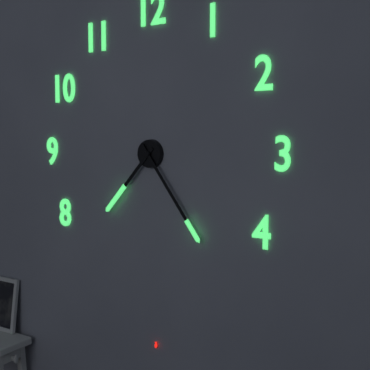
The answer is 7,24
